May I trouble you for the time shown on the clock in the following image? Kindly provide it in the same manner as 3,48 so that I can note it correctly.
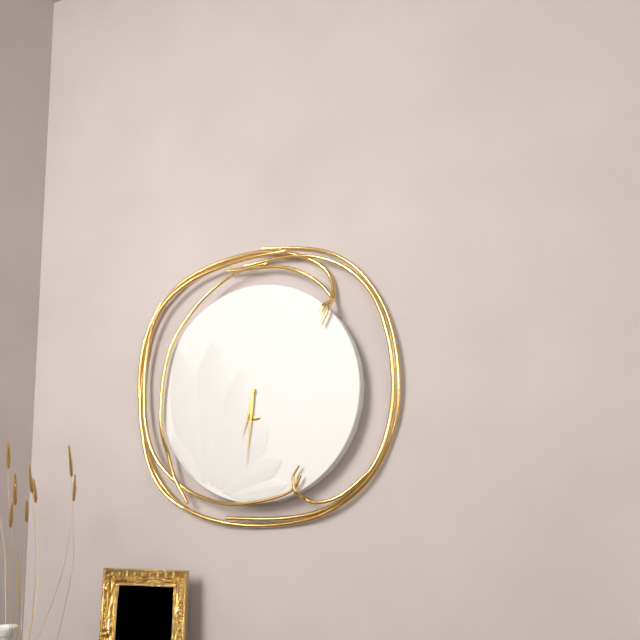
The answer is 6,31
